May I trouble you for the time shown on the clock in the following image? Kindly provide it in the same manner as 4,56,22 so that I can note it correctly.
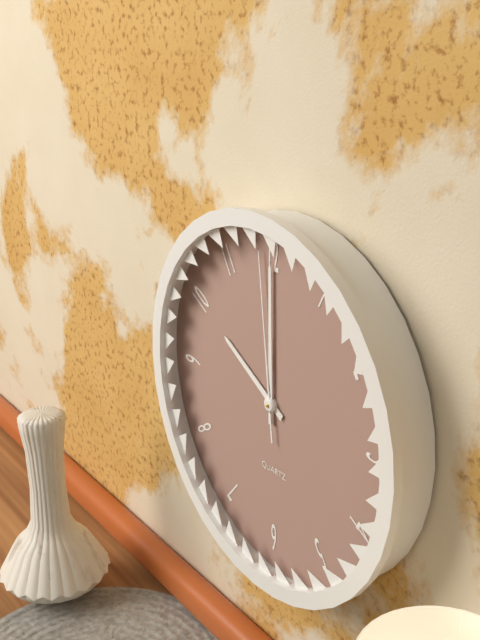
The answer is 10,00,59
